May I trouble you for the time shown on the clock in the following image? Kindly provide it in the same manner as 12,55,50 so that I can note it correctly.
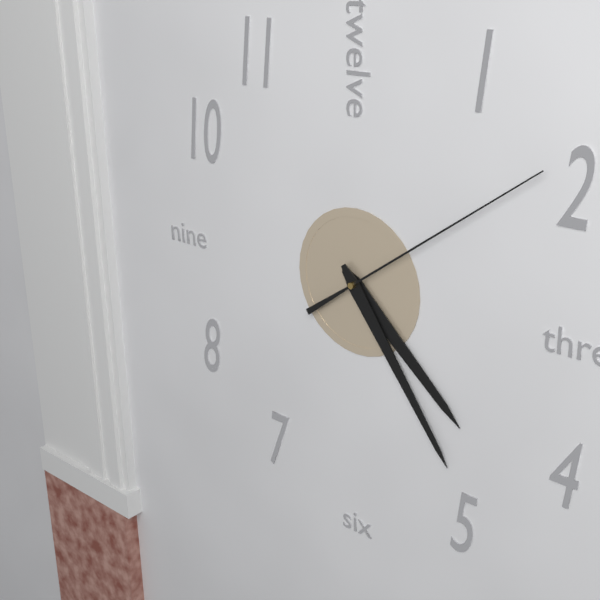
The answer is 4,24,09
